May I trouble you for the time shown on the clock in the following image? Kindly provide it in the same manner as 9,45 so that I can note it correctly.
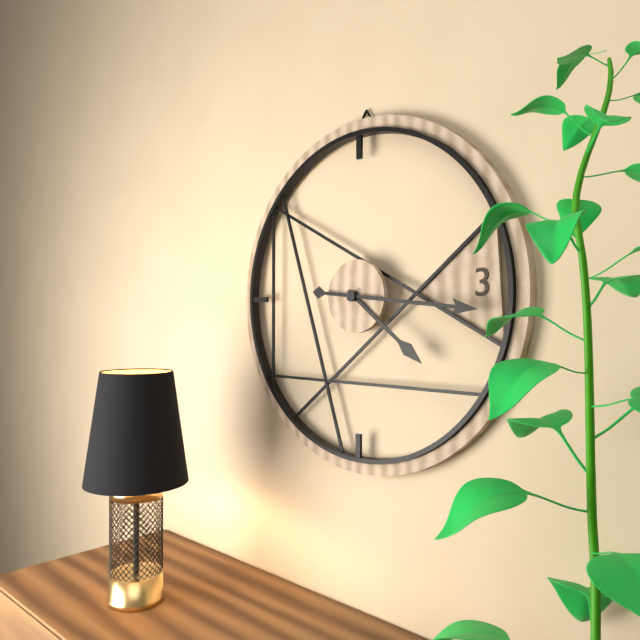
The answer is 4,16
